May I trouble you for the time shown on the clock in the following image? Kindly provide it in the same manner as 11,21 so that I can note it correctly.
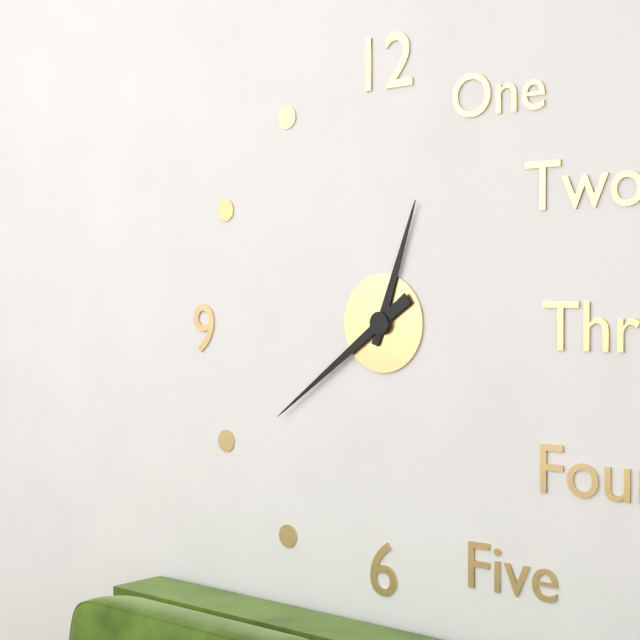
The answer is 12,39
